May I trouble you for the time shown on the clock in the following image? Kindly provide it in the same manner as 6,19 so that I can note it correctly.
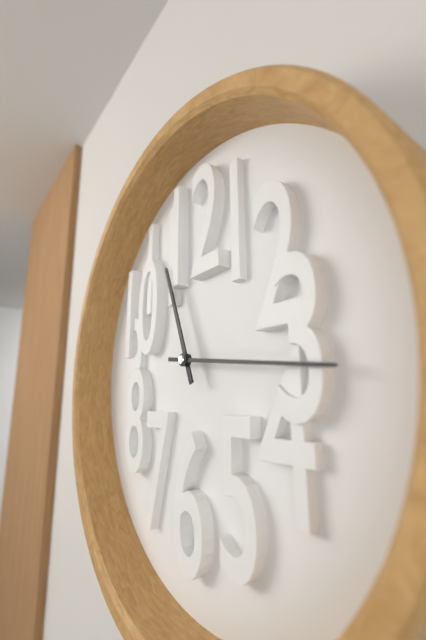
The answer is 11,16
